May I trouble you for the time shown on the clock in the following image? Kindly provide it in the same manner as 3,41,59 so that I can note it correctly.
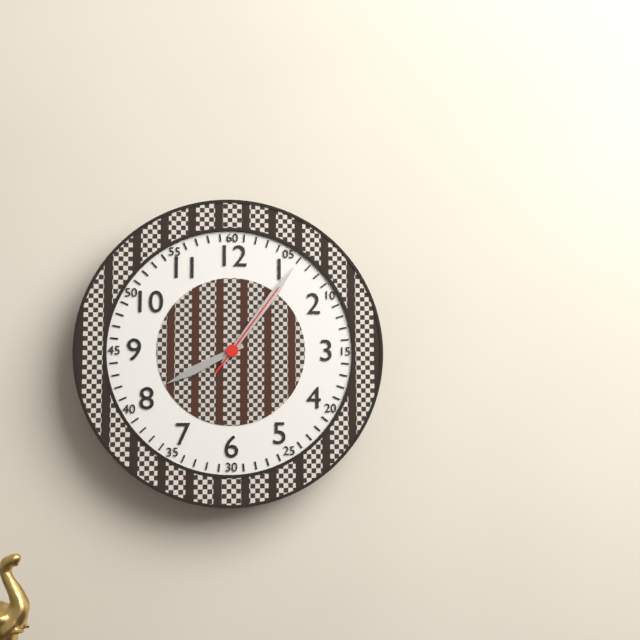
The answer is 8,06,06
